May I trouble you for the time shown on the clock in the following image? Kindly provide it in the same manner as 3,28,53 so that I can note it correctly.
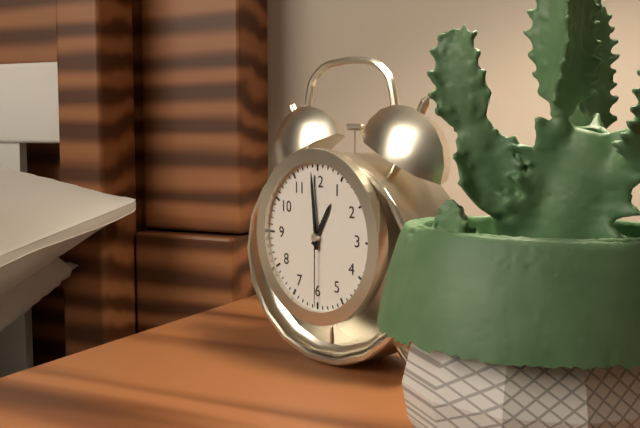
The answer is 12,59,30
